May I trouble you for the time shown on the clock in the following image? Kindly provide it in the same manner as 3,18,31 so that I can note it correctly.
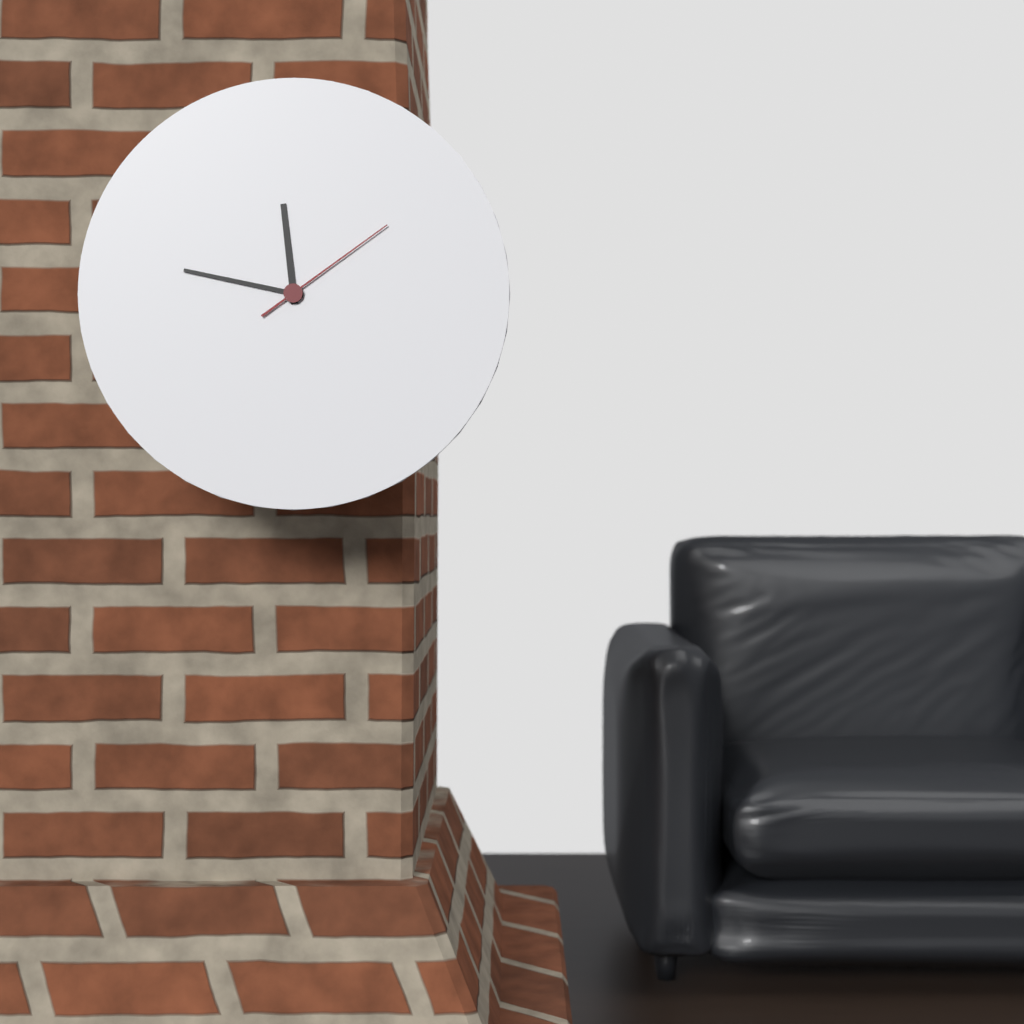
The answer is 11,47,09
